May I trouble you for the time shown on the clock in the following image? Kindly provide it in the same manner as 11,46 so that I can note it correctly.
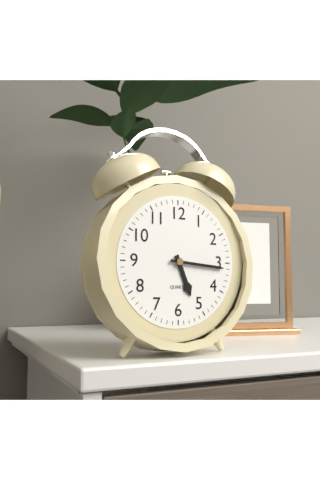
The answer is 5,16
